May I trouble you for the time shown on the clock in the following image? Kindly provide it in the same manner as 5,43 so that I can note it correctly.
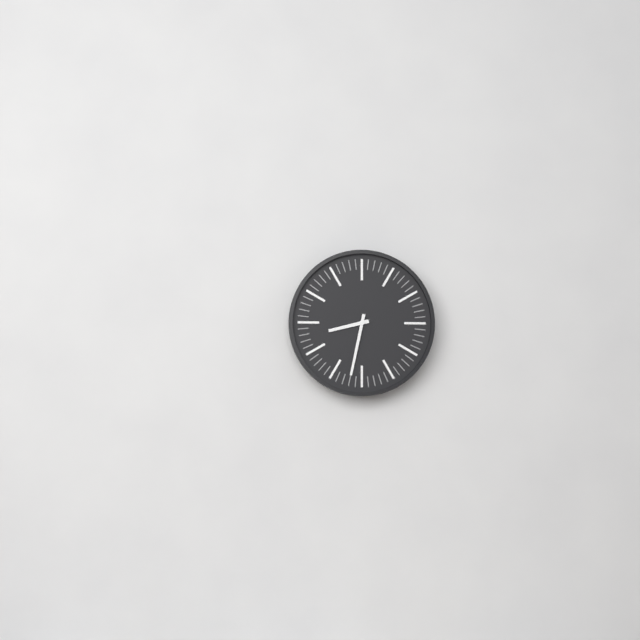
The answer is 8,32
